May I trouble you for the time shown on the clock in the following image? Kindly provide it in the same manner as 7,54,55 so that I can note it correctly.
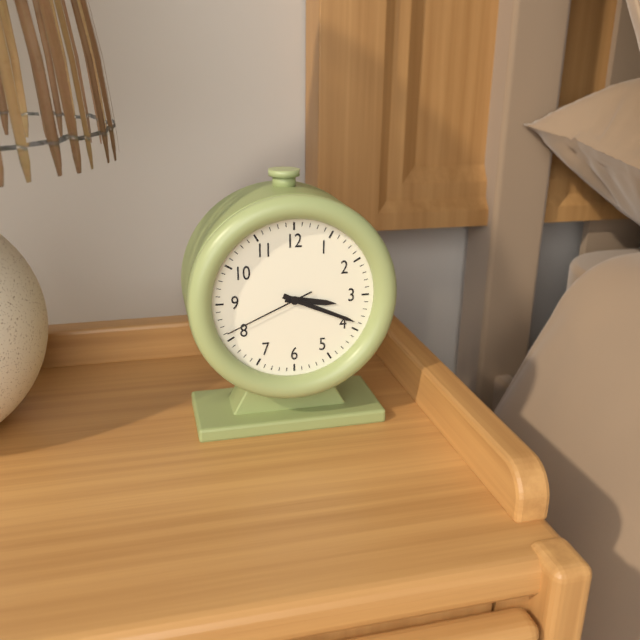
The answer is 3,19,41
